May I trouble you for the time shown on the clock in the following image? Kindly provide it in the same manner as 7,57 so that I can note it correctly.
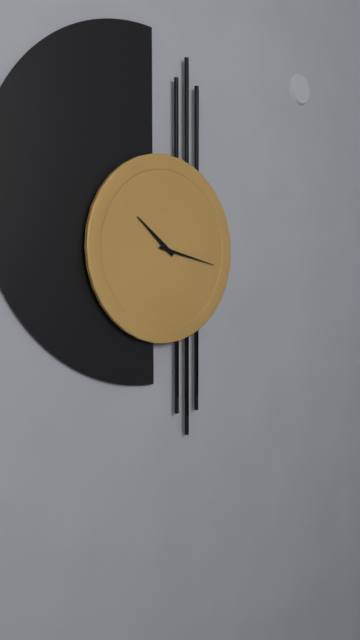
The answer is 10,17
